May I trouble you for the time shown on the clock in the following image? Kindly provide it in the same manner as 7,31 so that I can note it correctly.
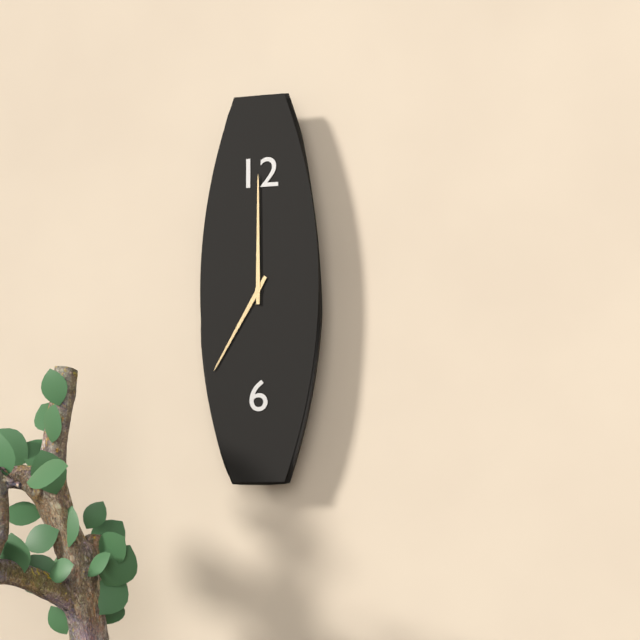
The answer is 7,00
